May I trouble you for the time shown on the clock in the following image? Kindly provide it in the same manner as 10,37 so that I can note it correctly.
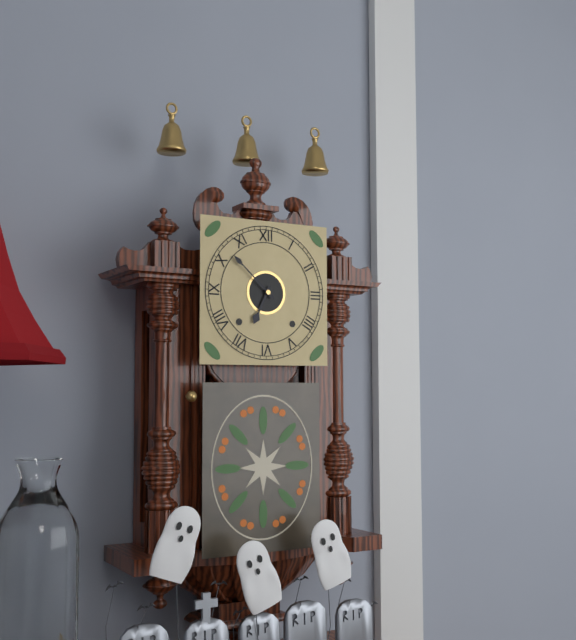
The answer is 6,52
